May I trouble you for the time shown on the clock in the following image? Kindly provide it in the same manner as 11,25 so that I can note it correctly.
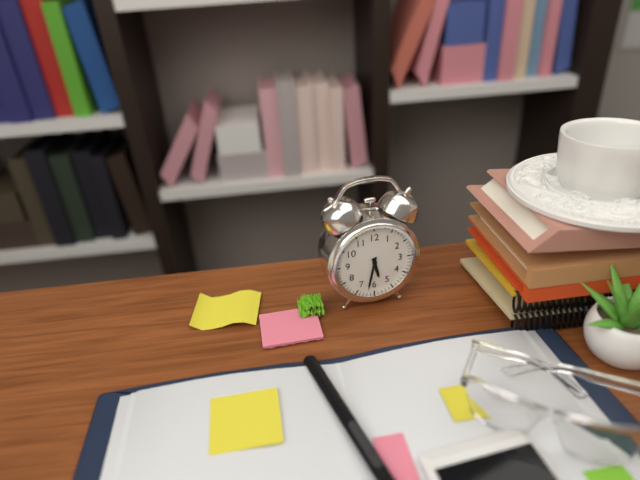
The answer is 5,32
